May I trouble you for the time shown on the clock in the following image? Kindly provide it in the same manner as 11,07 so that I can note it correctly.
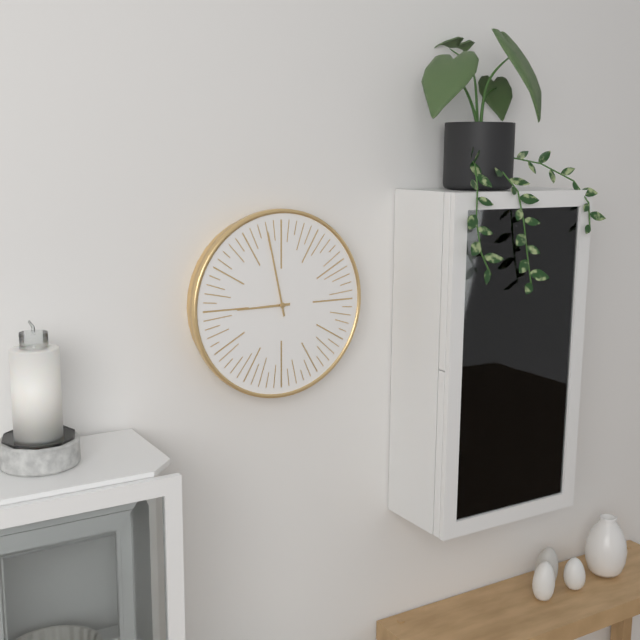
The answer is 8,58
